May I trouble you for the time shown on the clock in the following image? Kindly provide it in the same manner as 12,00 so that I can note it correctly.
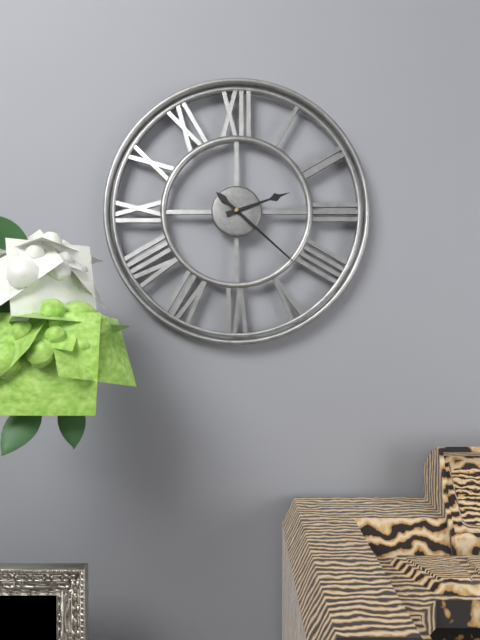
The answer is 2,22
